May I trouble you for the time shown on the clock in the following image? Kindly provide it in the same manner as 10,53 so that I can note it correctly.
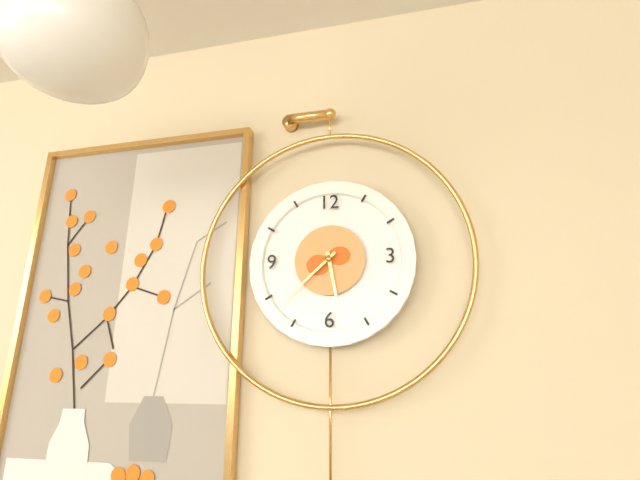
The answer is 5,38
